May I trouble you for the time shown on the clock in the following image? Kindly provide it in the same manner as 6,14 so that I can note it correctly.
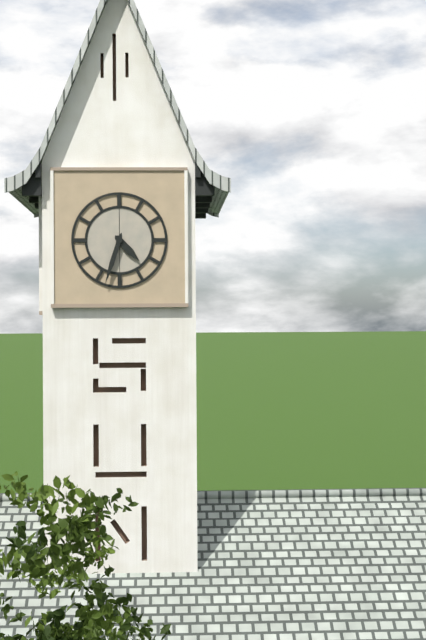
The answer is 4,33
